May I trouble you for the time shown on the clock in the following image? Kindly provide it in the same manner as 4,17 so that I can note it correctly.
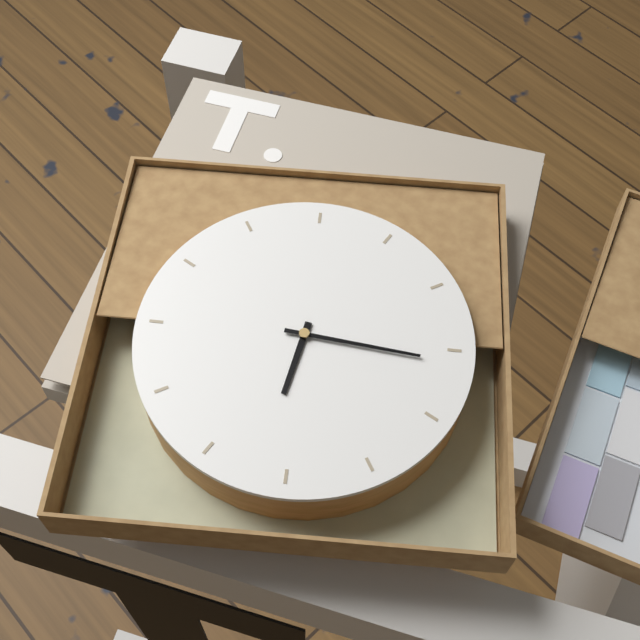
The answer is 7,21
